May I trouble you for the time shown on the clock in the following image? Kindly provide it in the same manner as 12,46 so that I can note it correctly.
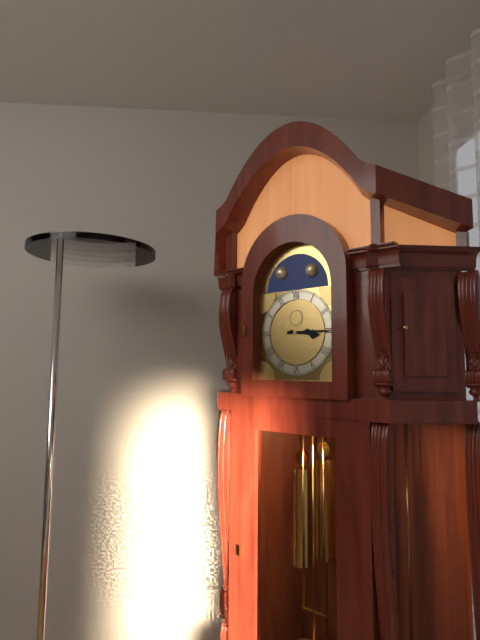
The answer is 3,15
